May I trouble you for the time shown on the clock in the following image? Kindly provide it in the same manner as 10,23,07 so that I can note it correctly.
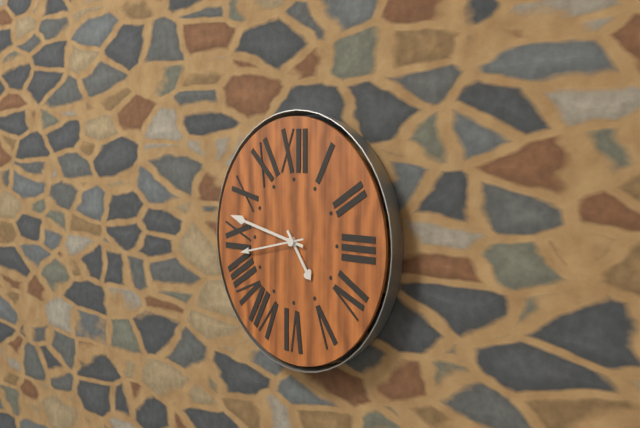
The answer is 4,47,43
